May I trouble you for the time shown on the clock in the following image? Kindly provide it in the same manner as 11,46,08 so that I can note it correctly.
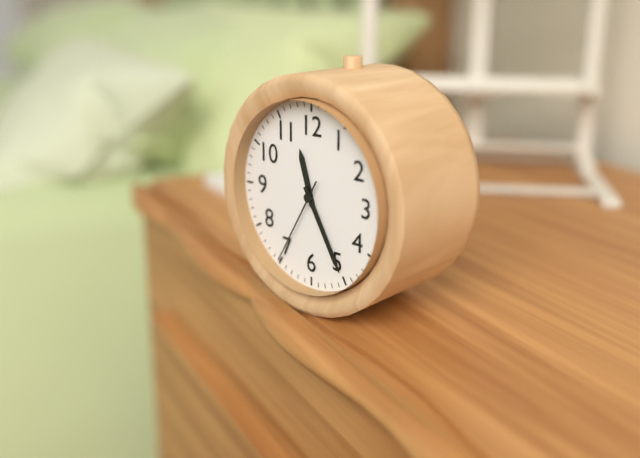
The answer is 11,25,35
